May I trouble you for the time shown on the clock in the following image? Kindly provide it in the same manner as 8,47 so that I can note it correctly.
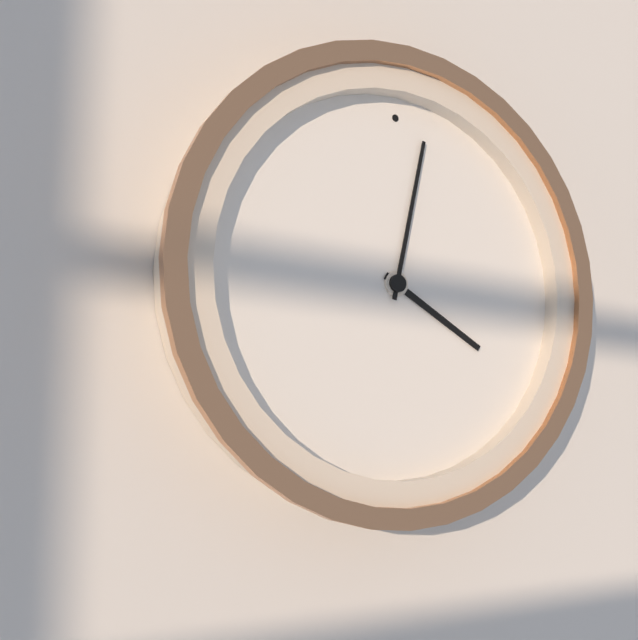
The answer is 4,02
